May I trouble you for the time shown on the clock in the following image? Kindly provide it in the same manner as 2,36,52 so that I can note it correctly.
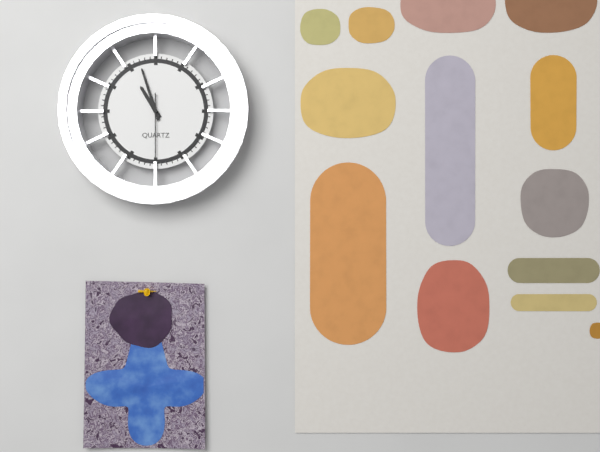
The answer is 10,57,30
